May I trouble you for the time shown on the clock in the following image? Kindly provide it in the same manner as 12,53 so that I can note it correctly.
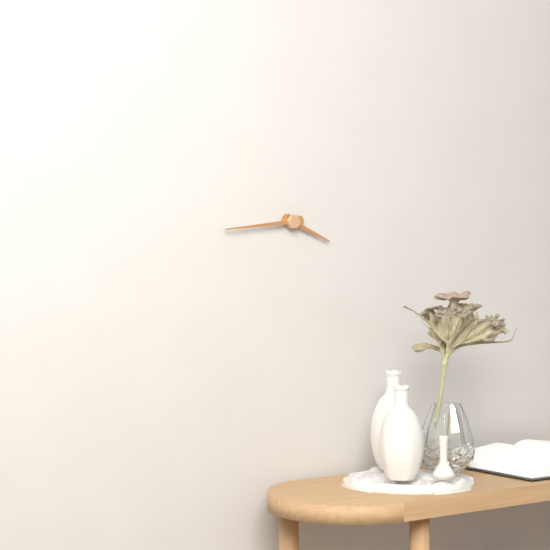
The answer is 3,44
